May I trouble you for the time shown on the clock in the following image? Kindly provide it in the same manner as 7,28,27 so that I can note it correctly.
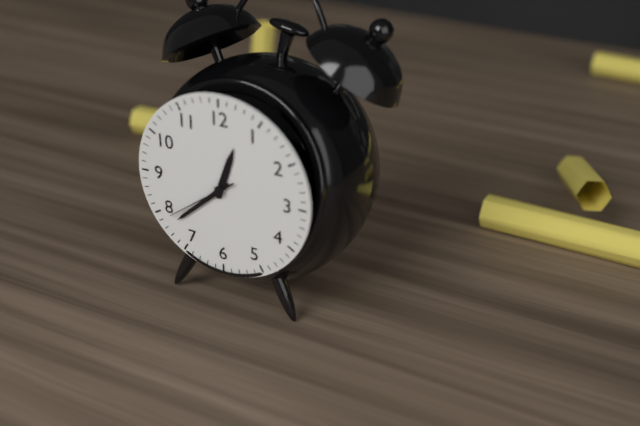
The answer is 12,38,39
